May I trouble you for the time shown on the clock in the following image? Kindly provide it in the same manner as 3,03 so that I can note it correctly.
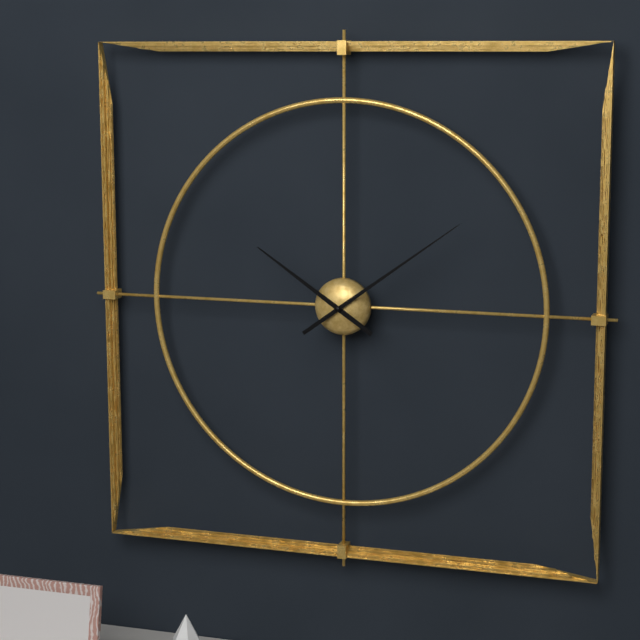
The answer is 10,09
